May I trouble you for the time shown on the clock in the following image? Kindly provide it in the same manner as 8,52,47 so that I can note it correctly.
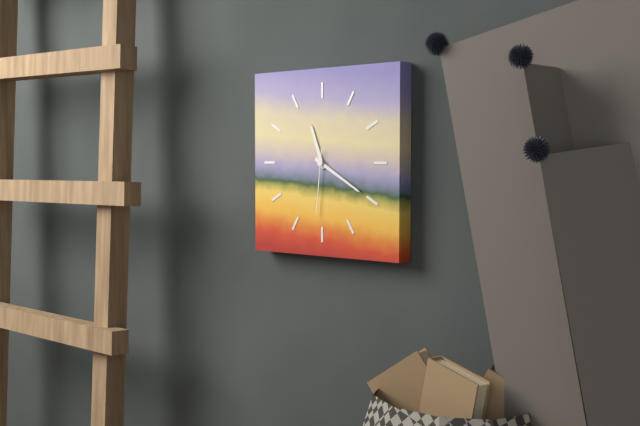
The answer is 11,20,31
